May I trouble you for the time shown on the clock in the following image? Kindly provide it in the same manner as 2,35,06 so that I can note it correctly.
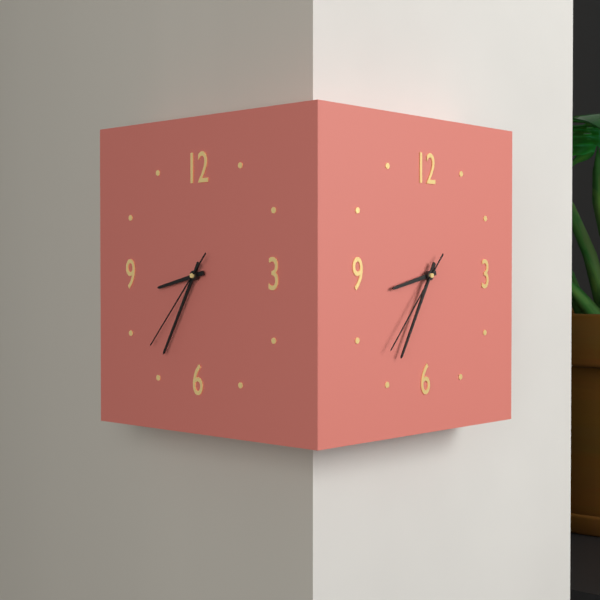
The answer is 8,35,37
